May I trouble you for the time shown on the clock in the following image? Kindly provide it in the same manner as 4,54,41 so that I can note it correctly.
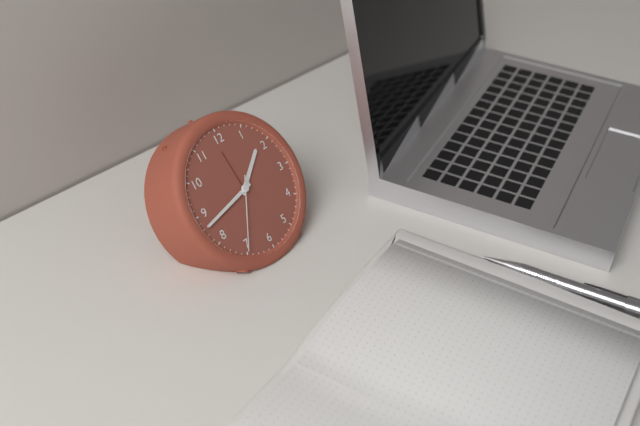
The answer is 1,43,35
